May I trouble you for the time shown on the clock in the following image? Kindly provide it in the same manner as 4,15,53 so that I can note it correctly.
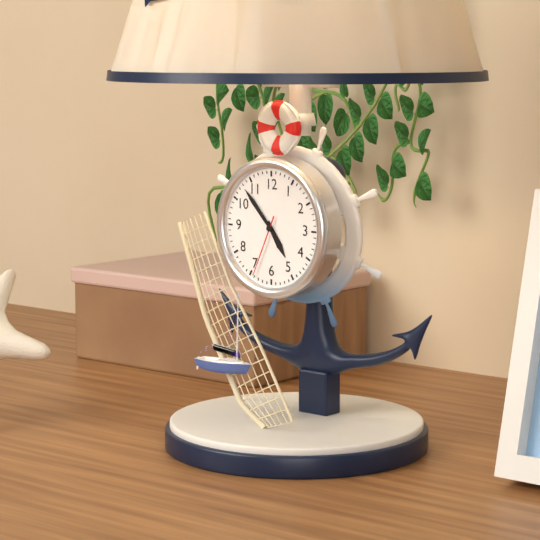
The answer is 4,53,34
